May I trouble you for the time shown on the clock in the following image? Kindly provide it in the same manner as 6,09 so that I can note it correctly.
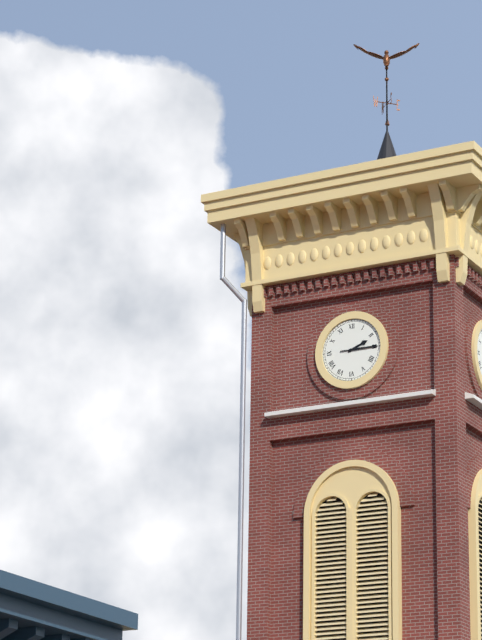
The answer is 2,15
